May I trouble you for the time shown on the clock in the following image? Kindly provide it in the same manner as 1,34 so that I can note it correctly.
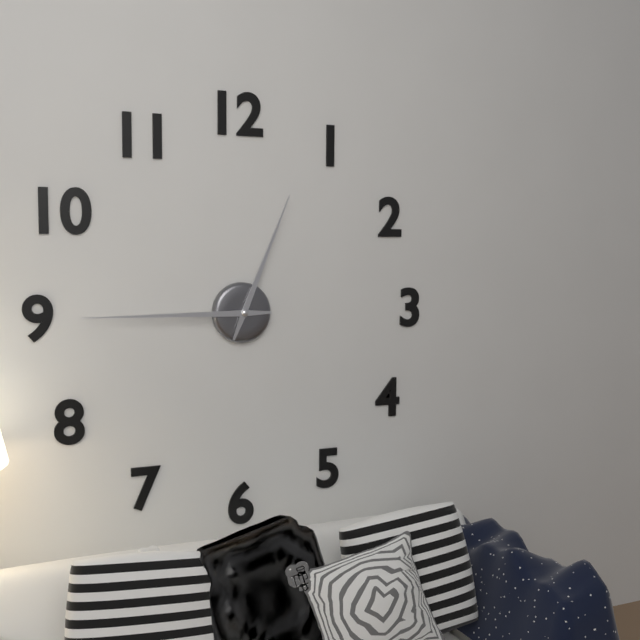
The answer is 12,45
